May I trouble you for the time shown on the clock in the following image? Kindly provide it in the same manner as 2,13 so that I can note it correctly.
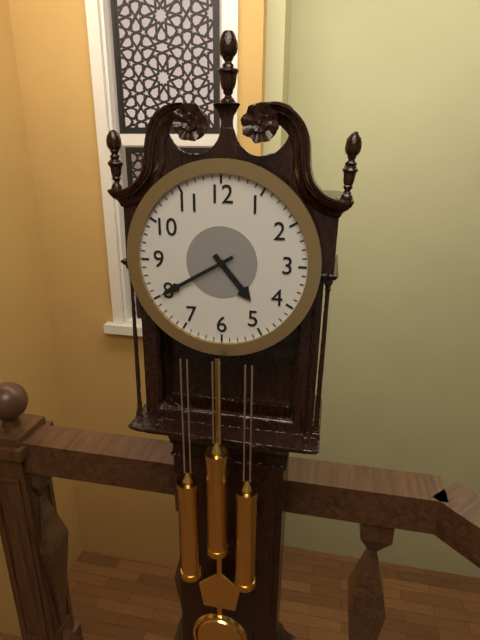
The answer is 4,40
